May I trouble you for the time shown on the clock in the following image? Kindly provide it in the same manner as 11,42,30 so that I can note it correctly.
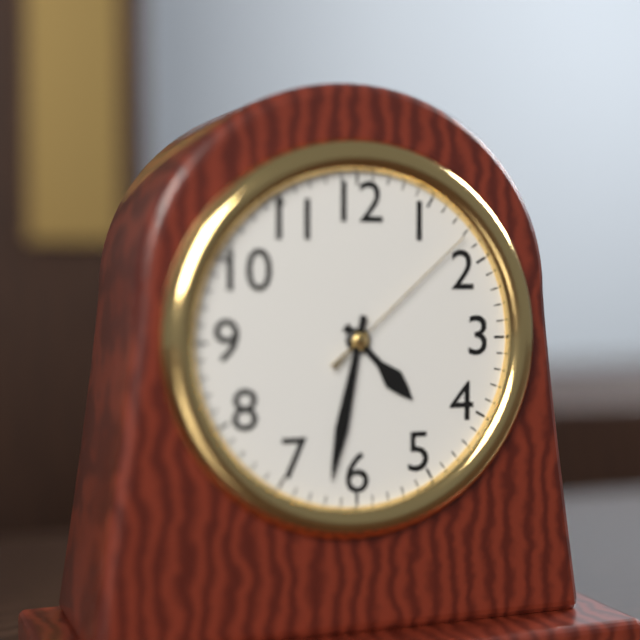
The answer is 4,32,08
